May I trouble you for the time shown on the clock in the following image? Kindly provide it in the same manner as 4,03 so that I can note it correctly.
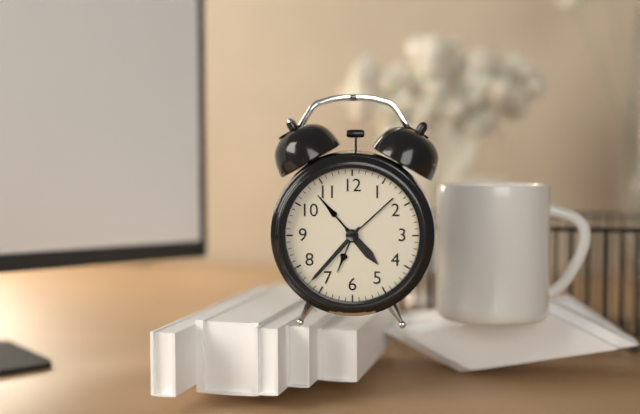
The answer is 4,37
